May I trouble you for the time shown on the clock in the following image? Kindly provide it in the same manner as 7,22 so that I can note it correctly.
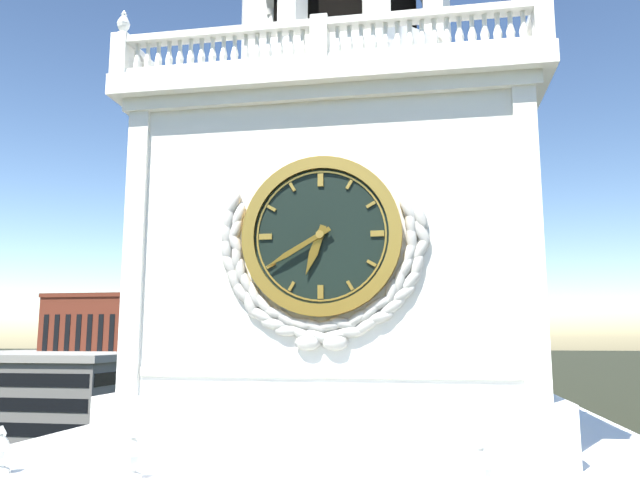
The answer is 6,40
